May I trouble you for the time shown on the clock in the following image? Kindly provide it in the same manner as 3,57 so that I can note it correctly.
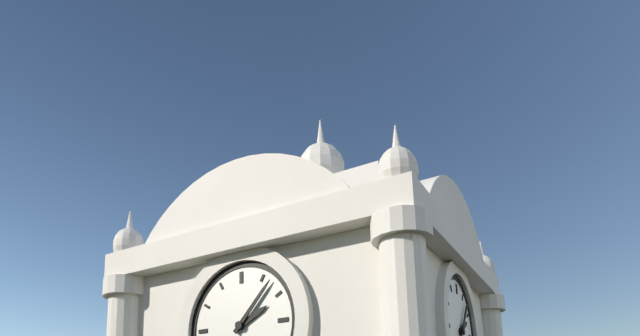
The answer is 2,07
